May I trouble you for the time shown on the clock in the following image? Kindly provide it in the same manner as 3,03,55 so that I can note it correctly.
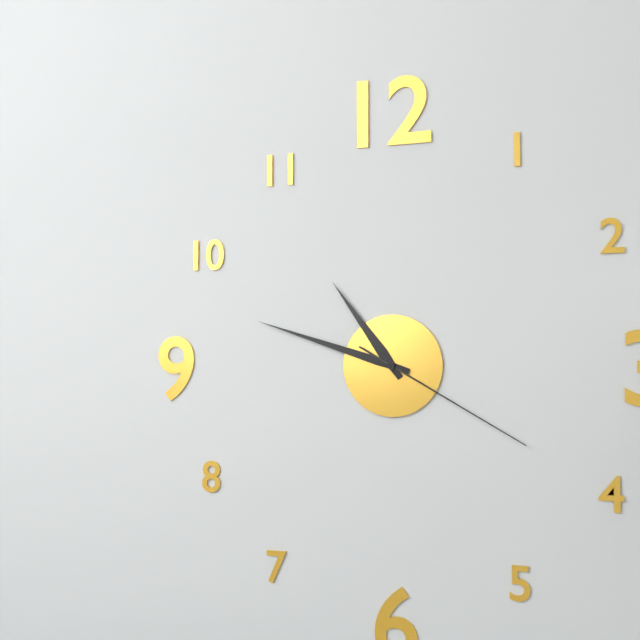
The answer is 10,48,20
